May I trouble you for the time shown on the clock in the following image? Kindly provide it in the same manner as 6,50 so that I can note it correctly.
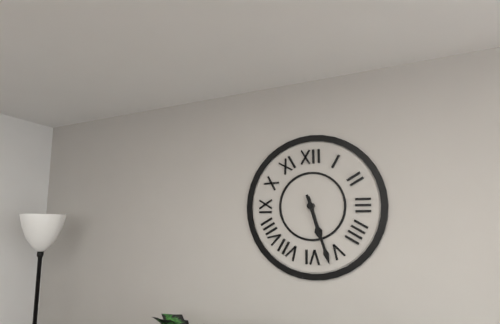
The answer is 5,27
